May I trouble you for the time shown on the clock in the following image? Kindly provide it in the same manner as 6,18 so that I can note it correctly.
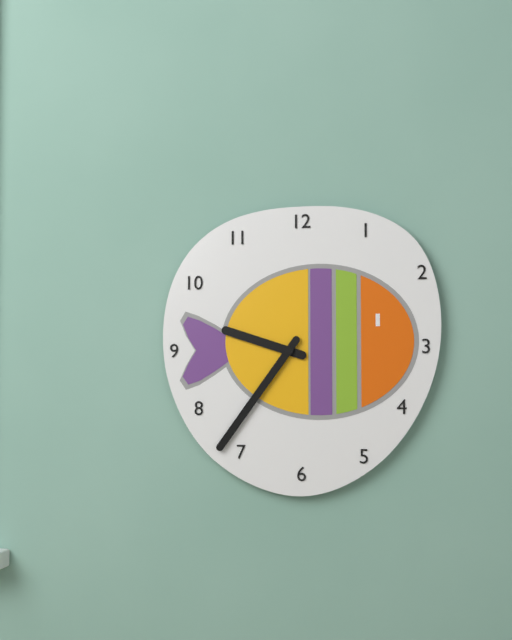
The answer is 9,36
